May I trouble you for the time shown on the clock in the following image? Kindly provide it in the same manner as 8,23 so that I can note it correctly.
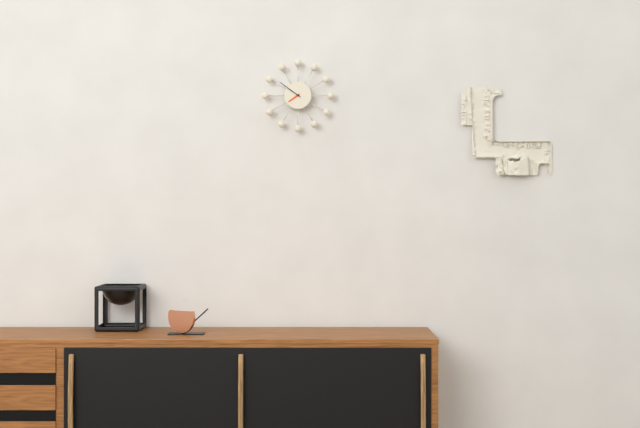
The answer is 7,51
